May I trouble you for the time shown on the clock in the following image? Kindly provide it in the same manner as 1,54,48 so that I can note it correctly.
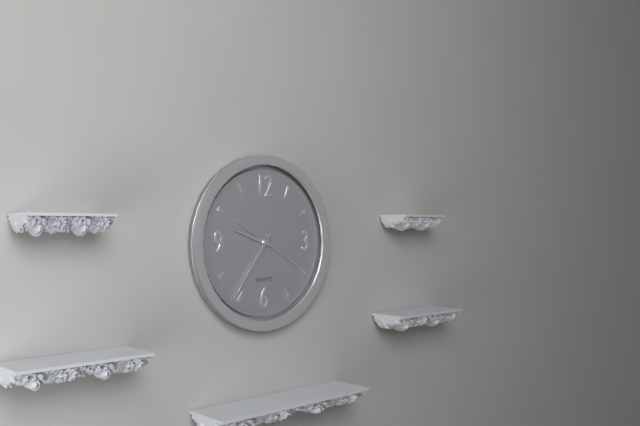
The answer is 9,36,20
